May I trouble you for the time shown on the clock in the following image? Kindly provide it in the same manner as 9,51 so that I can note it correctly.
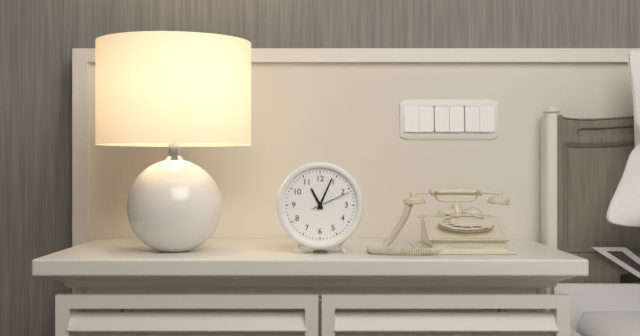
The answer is 11,04
